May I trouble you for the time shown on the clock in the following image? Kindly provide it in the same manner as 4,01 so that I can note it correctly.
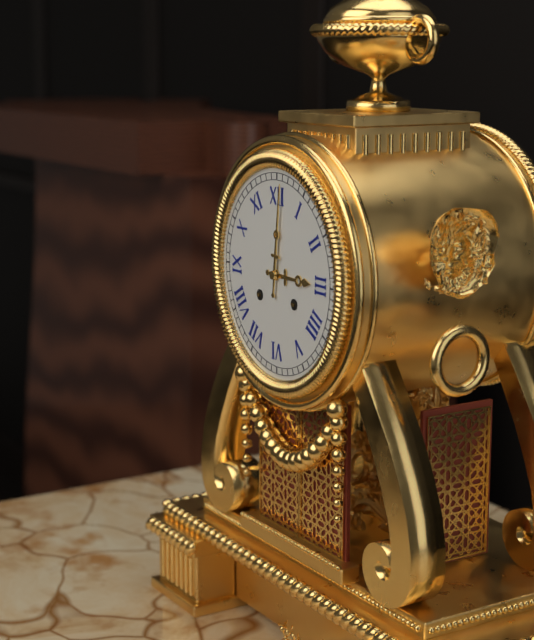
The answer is 3,01
